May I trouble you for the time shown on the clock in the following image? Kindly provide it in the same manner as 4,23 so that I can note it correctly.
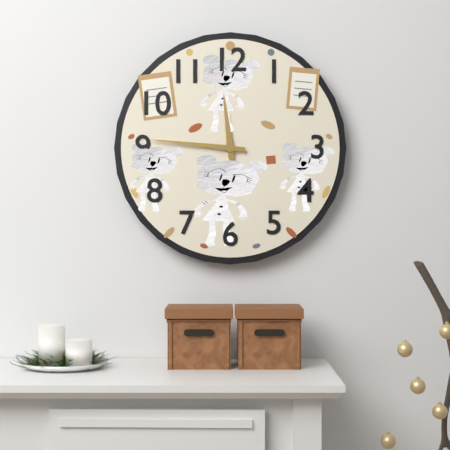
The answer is 11,46
